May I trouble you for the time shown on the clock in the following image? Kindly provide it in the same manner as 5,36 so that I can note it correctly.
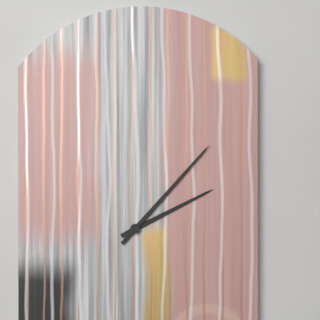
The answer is 2,07
